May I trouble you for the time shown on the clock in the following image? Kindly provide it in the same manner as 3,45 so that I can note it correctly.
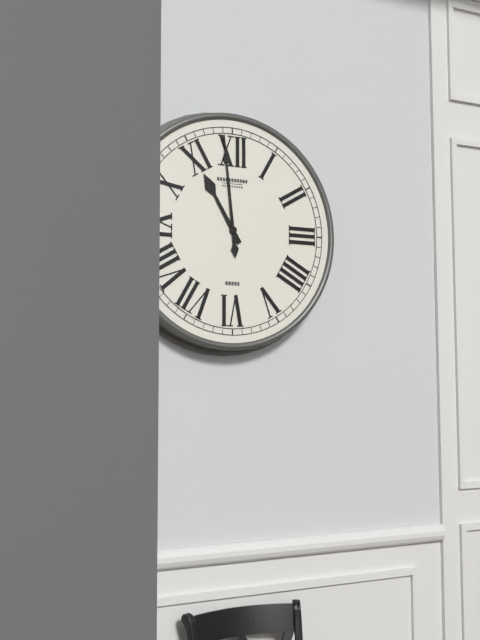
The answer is 10,59
